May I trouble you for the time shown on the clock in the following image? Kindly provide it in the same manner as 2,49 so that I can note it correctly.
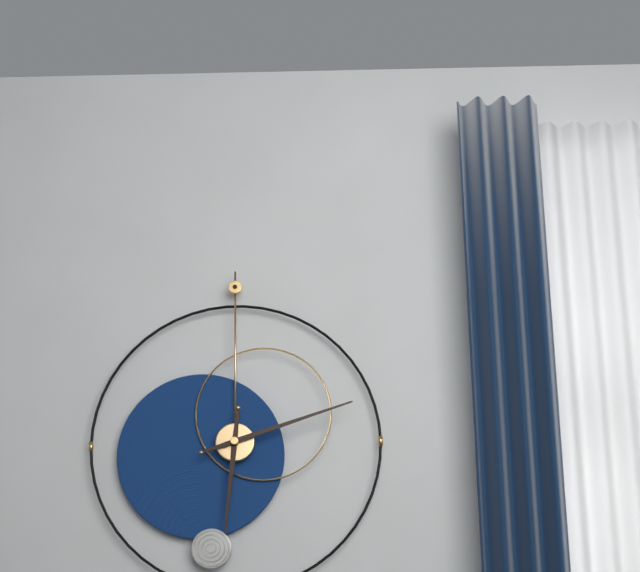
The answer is 6,12
